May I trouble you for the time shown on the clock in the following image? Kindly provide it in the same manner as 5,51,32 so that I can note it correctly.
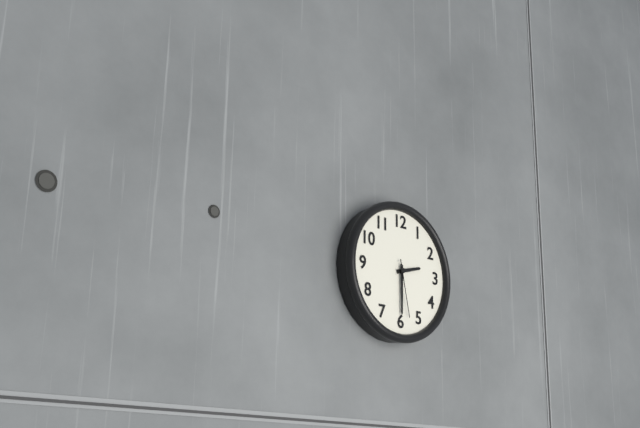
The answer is 2,30,28
